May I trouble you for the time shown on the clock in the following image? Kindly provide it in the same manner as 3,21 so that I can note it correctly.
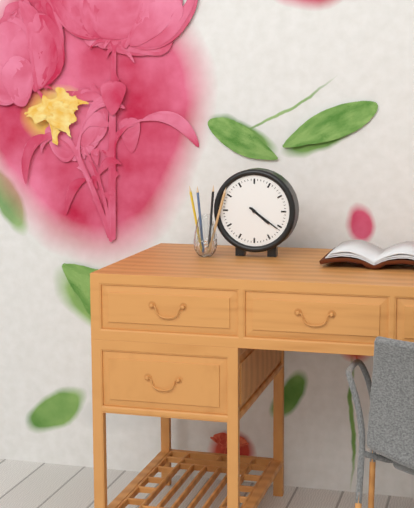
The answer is 4,21
